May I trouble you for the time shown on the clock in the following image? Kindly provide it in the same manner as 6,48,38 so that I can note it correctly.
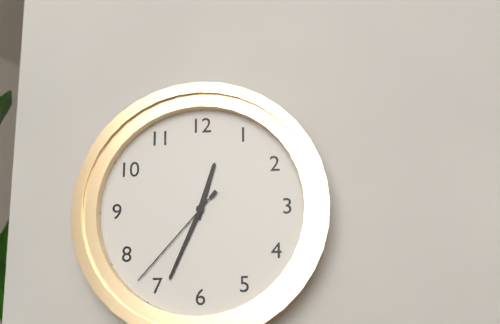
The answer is 12,34,37
